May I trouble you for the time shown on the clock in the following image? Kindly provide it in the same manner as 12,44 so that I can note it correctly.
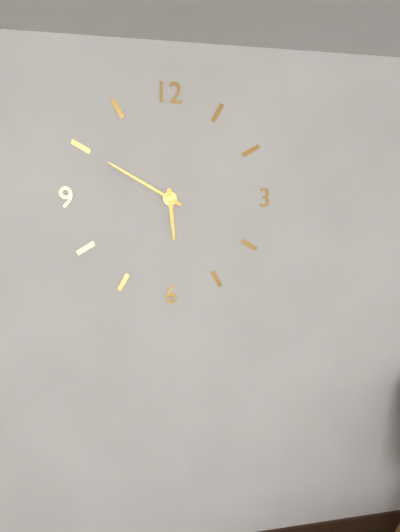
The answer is 5,50
